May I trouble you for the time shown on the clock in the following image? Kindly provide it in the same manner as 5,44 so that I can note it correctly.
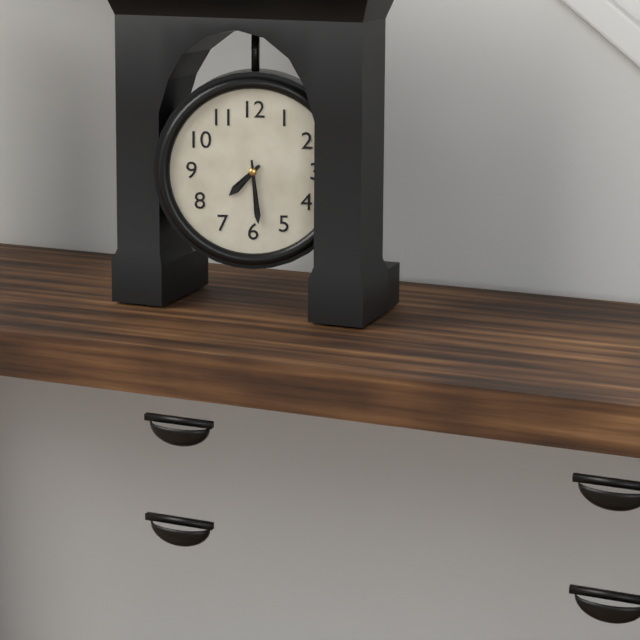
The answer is 7,29
